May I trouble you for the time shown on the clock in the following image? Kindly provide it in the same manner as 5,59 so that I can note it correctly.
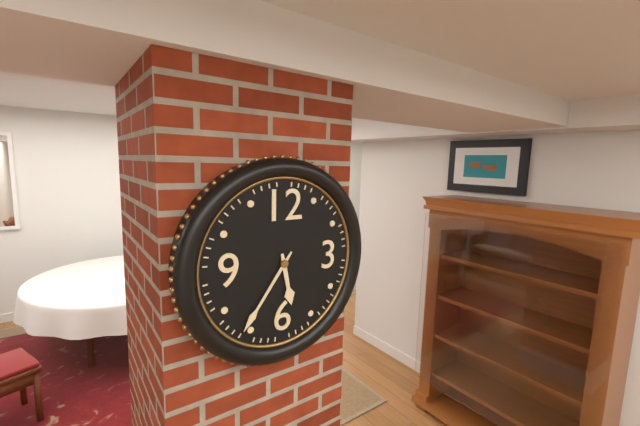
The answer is 5,36
